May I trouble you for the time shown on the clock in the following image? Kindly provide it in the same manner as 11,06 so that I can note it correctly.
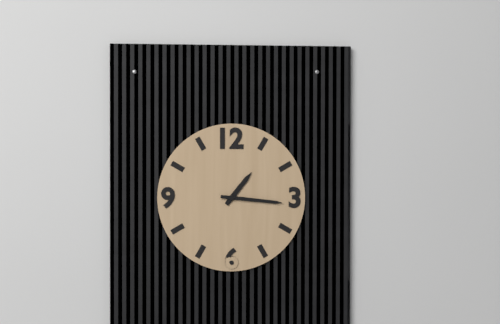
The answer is 1,16
